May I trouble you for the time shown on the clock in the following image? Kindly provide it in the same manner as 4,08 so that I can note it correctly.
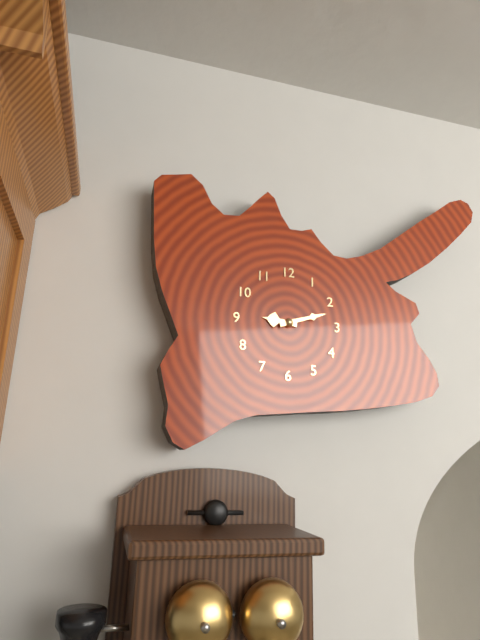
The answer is 9,12
